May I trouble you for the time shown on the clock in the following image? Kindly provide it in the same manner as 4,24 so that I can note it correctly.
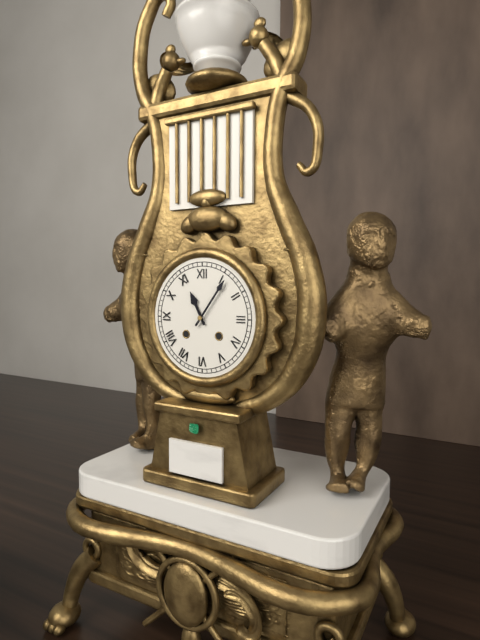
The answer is 11,06
